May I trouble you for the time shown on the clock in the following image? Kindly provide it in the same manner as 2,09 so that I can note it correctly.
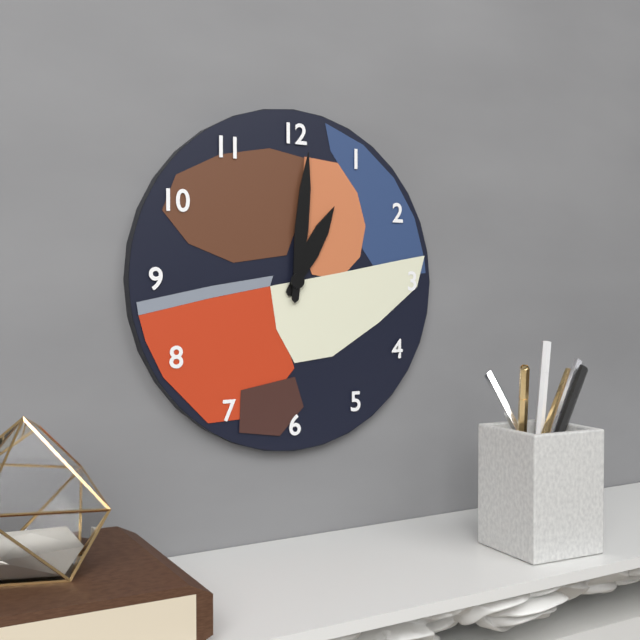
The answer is 1,01
